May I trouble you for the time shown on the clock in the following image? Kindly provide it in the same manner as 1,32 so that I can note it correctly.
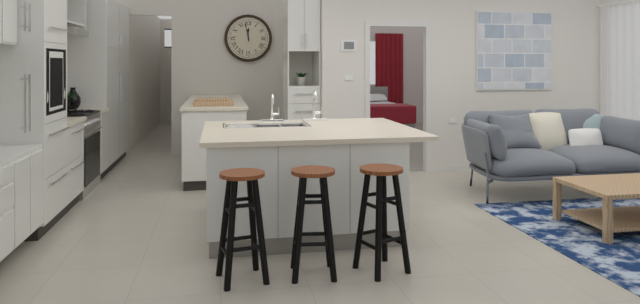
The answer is 11,58
